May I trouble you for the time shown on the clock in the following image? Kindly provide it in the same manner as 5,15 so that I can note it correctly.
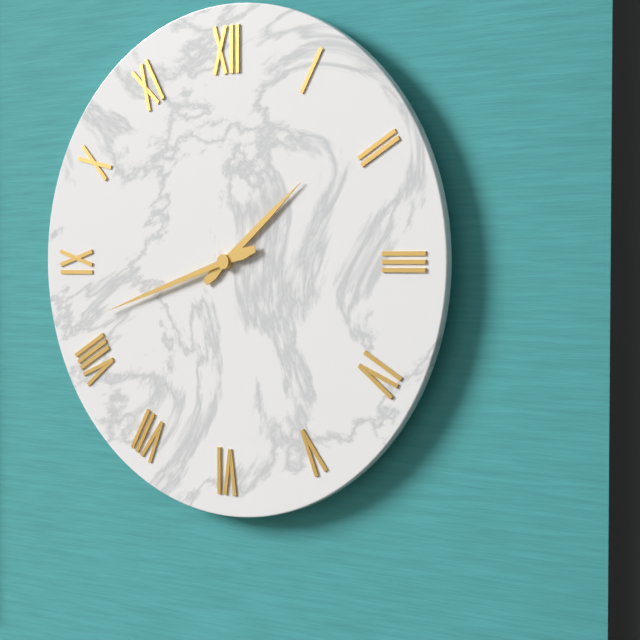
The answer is 1,42
